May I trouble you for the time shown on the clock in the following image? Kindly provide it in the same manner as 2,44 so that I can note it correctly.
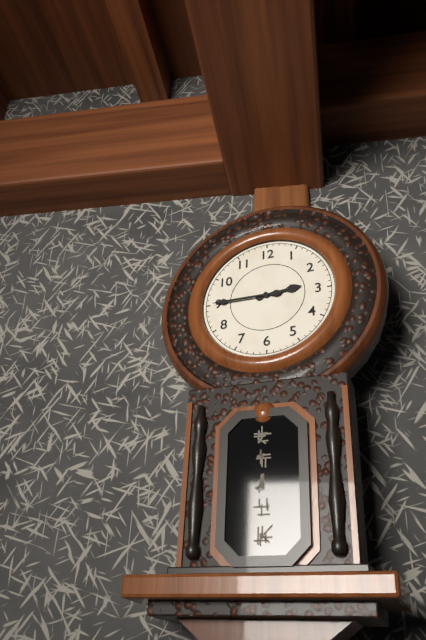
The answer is 2,45
